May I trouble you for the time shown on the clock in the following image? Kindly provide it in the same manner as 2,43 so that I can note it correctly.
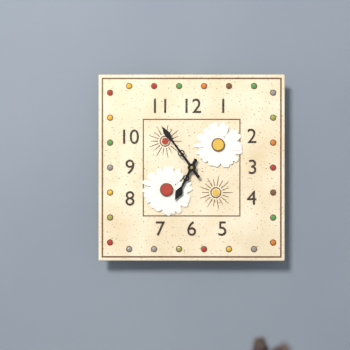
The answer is 6,54
